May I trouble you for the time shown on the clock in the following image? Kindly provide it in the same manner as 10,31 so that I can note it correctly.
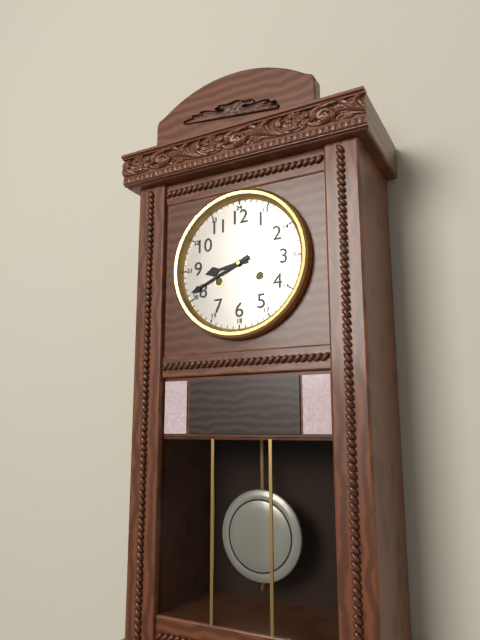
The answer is 8,41
